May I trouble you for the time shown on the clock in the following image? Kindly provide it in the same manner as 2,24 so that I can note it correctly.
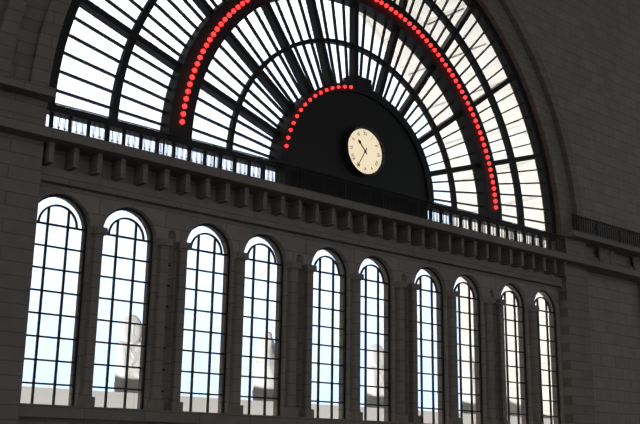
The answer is 10,35
